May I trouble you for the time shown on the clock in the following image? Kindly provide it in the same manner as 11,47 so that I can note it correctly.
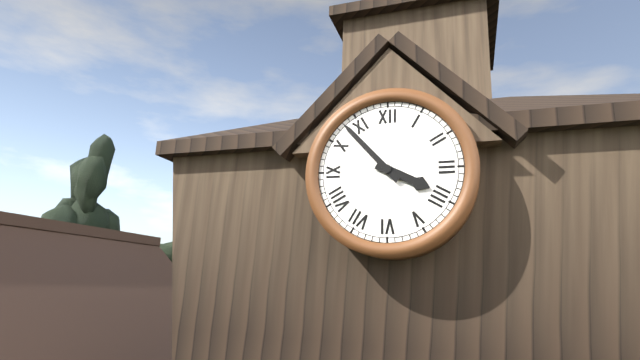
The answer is 3,53
